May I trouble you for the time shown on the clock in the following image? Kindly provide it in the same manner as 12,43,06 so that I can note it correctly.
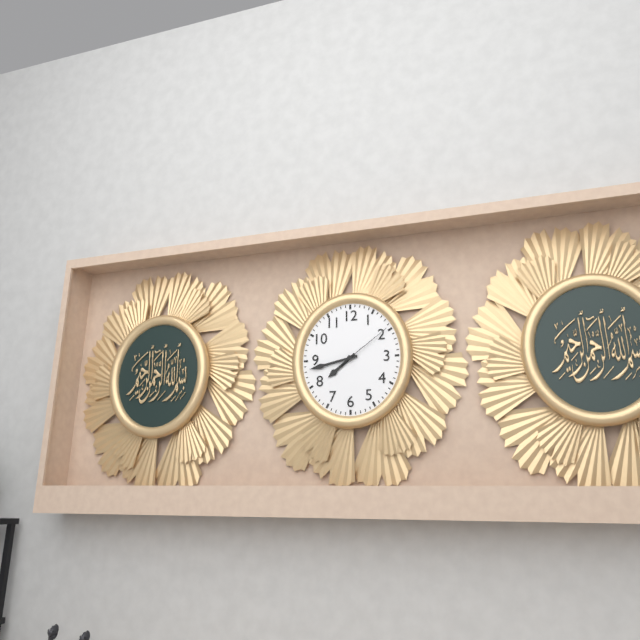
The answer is 7,43,09
